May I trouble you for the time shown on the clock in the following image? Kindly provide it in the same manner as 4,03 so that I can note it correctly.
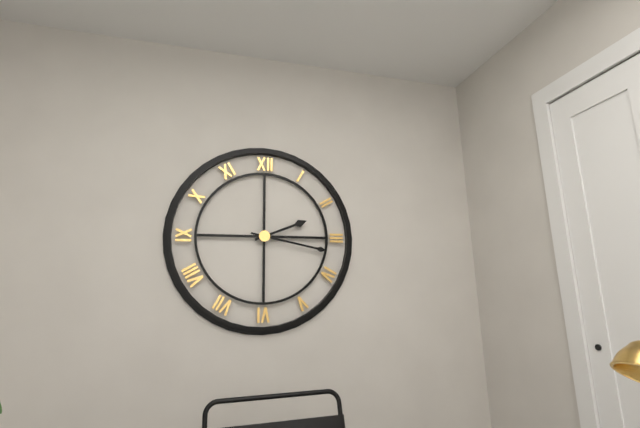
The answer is 2,17
